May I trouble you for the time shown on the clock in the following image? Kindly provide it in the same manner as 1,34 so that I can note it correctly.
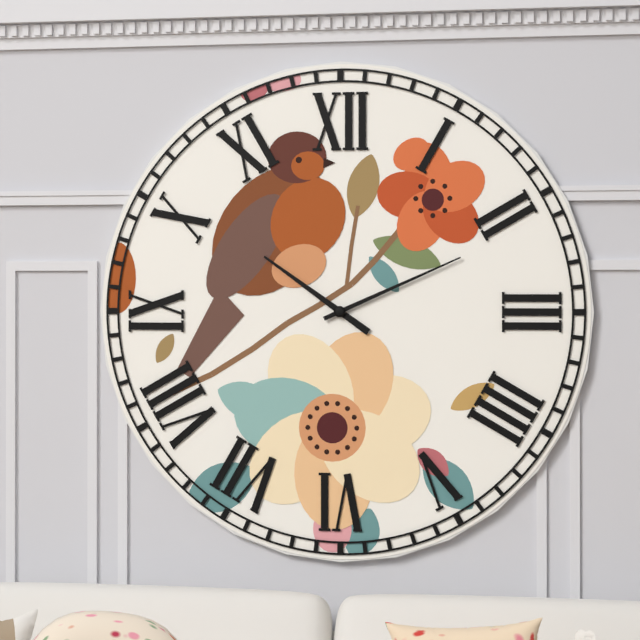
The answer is 10,11
